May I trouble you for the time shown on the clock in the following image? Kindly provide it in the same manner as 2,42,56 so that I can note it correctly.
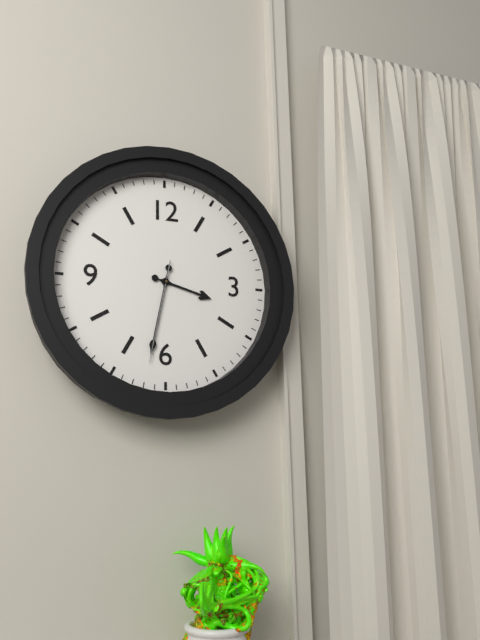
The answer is 3,32,32
